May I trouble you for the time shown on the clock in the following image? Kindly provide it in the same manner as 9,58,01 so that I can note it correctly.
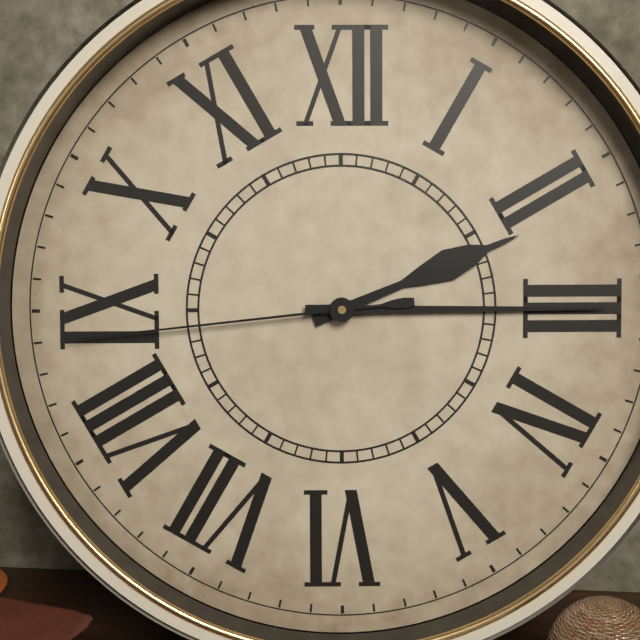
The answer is 2,15,44
